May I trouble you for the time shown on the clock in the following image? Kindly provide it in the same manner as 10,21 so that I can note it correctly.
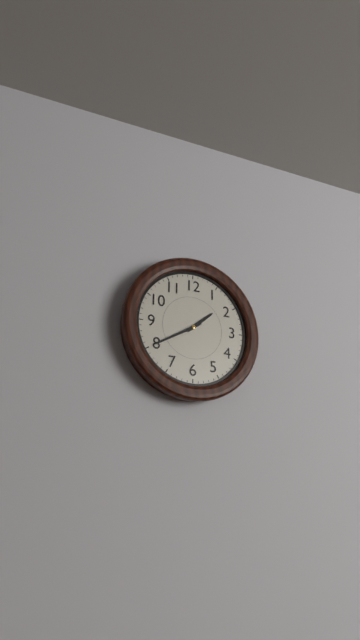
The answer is 1,40
